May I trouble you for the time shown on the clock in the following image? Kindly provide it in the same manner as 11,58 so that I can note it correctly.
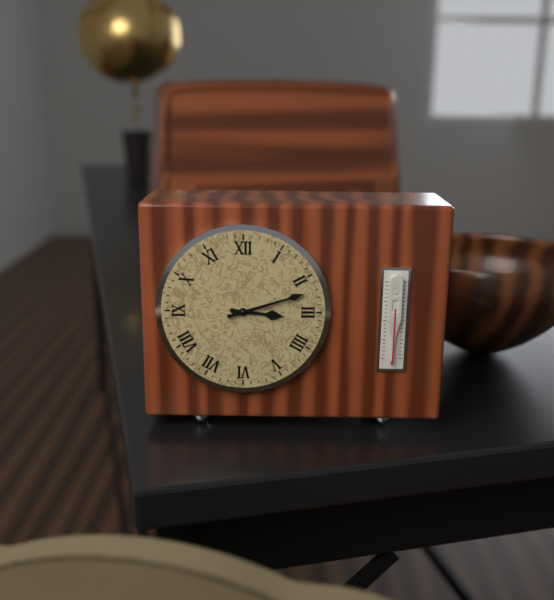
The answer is 3,12
